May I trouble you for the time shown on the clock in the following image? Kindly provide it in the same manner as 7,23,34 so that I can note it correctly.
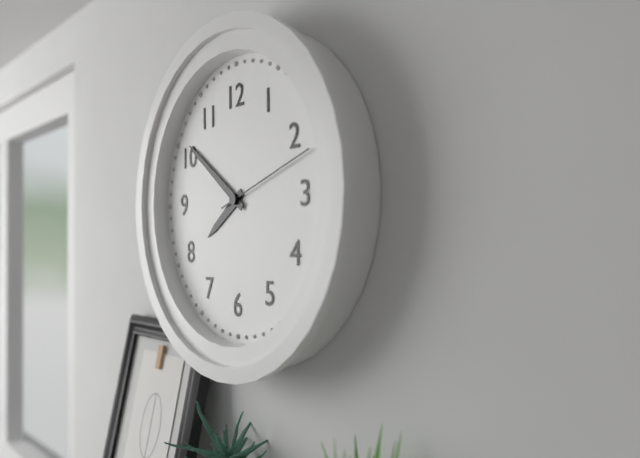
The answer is 7,51,12
